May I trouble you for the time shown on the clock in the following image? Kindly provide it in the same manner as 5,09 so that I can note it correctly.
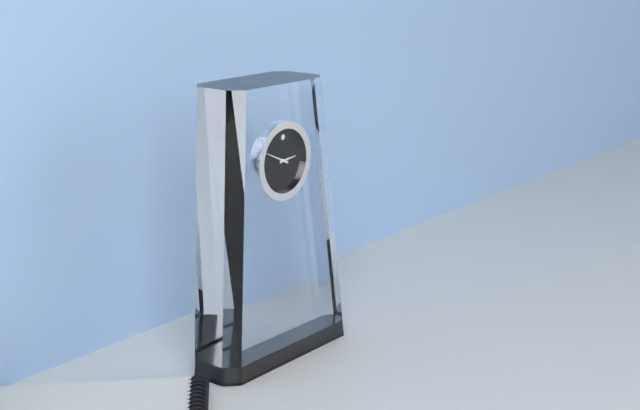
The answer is 2,49
